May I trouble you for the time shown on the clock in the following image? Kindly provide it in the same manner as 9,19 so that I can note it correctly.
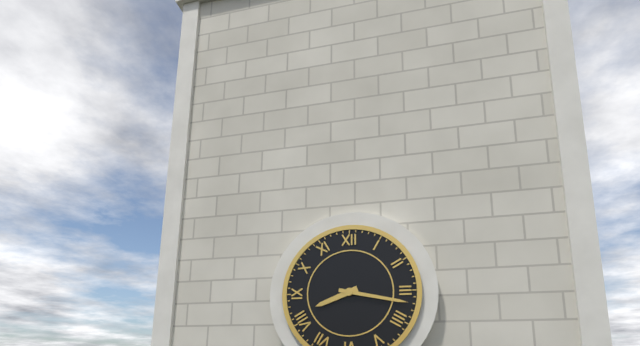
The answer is 8,17
